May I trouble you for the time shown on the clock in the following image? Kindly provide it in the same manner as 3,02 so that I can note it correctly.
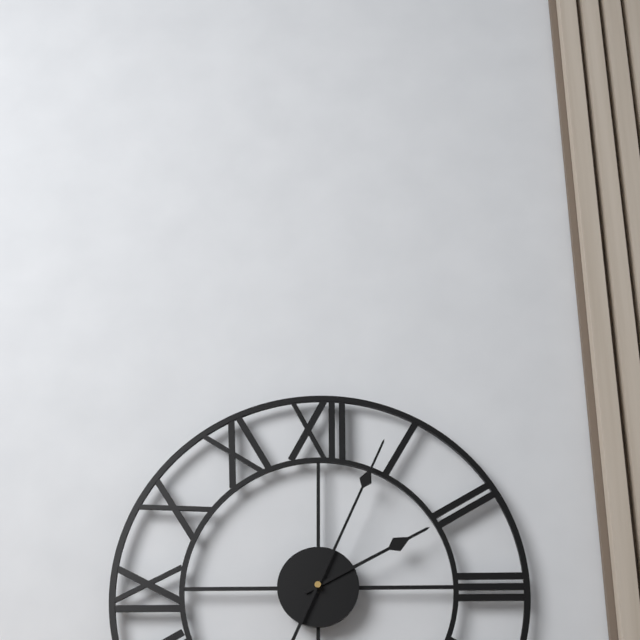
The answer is 2,04
